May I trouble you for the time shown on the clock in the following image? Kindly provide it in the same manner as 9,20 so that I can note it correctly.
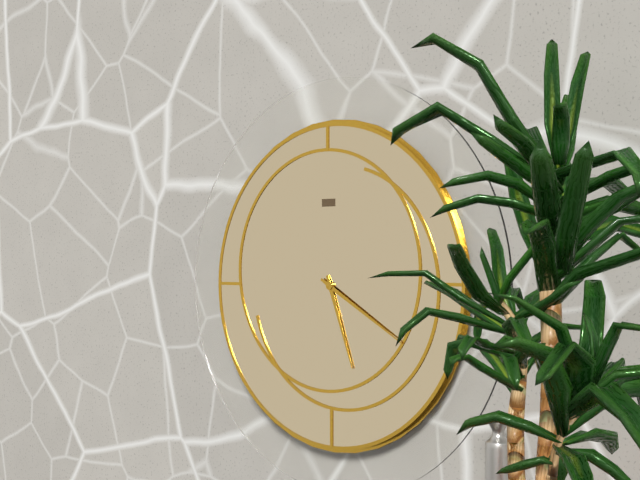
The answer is 5,20
